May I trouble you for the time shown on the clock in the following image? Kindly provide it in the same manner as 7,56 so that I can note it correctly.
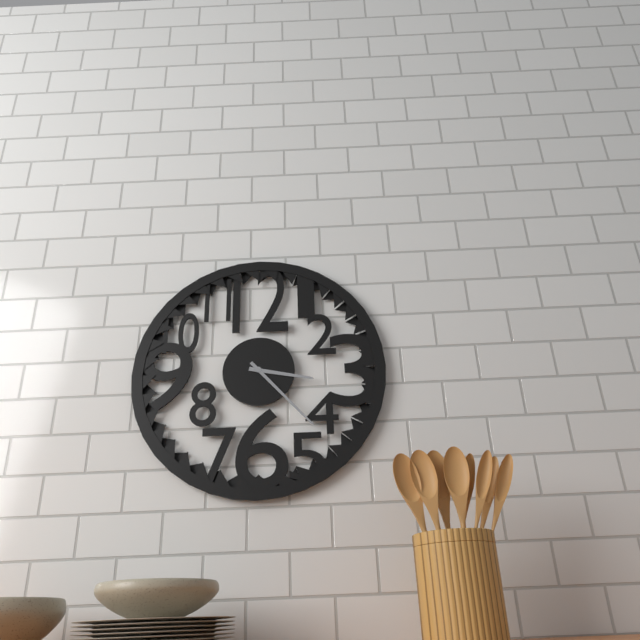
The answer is 3,23
